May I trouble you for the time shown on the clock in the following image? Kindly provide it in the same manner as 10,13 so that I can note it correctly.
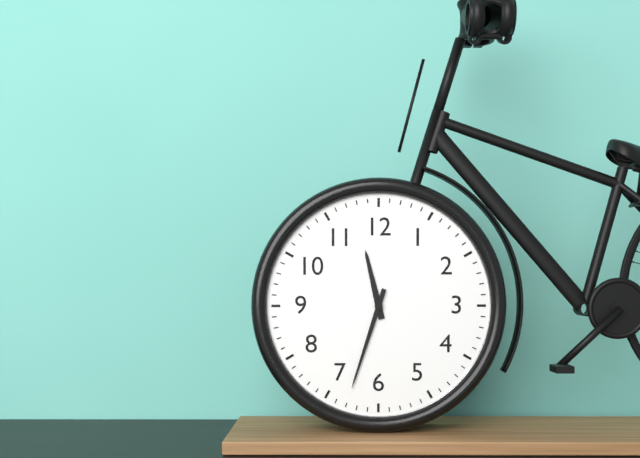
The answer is 11,33
